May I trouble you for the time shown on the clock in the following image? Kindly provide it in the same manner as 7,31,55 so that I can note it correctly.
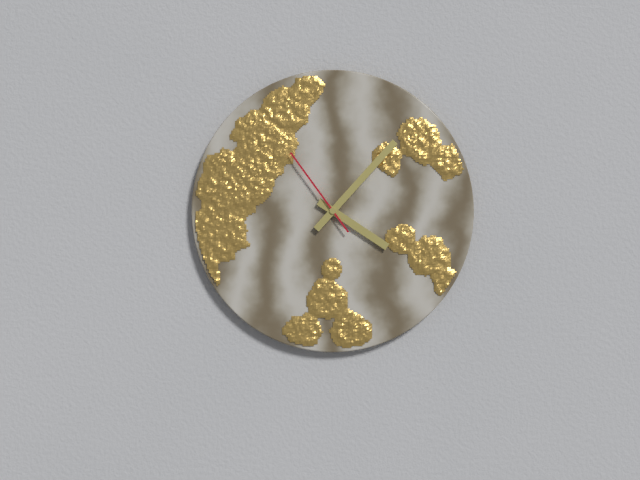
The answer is 4,07,54
